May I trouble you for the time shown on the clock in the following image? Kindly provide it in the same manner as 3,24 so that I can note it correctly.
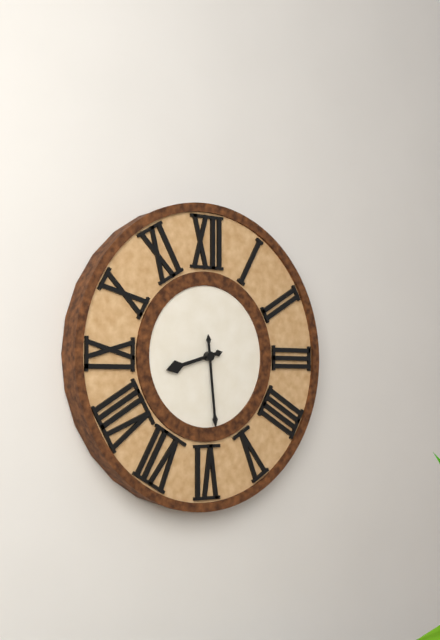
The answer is 8,29
